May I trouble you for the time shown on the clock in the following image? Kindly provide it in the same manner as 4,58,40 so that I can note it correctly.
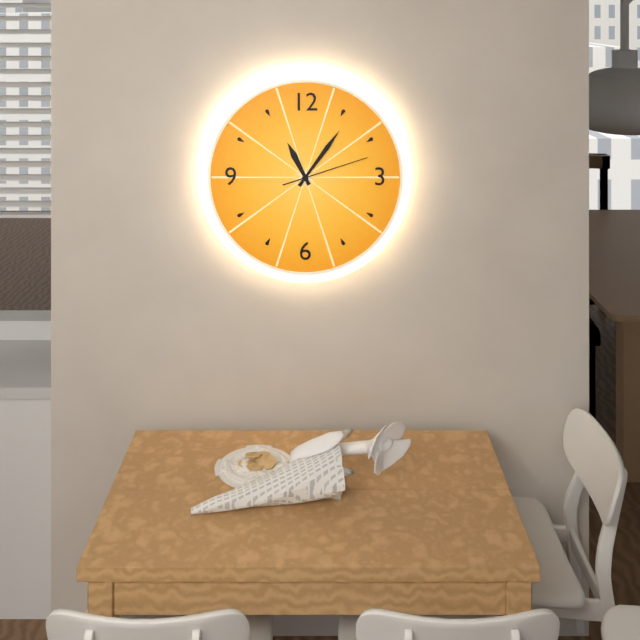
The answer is 11,06,12
